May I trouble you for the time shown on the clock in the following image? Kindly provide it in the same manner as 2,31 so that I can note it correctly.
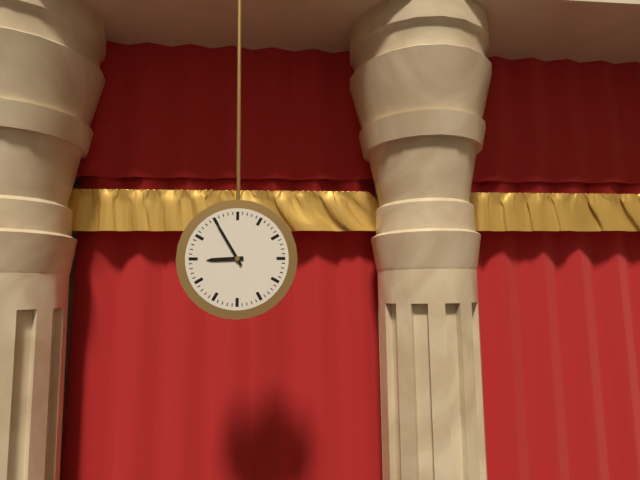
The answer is 8,55
